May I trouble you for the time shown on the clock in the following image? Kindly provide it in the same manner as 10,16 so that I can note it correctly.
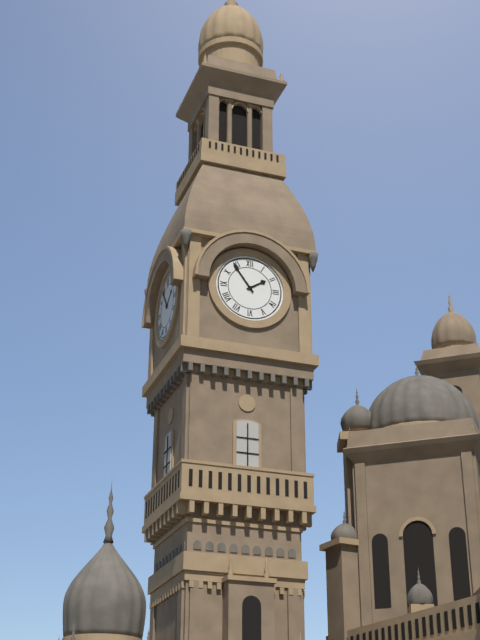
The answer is 1,54
